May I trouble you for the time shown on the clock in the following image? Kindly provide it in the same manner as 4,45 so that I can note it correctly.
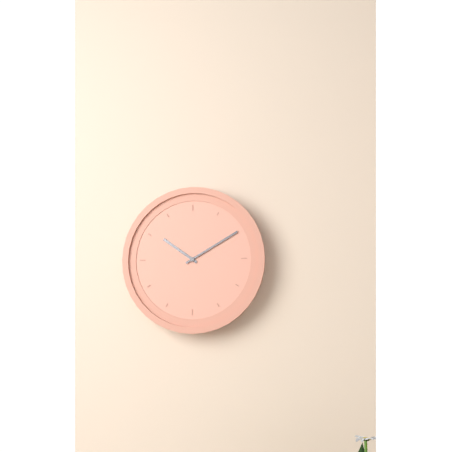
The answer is 10,10
